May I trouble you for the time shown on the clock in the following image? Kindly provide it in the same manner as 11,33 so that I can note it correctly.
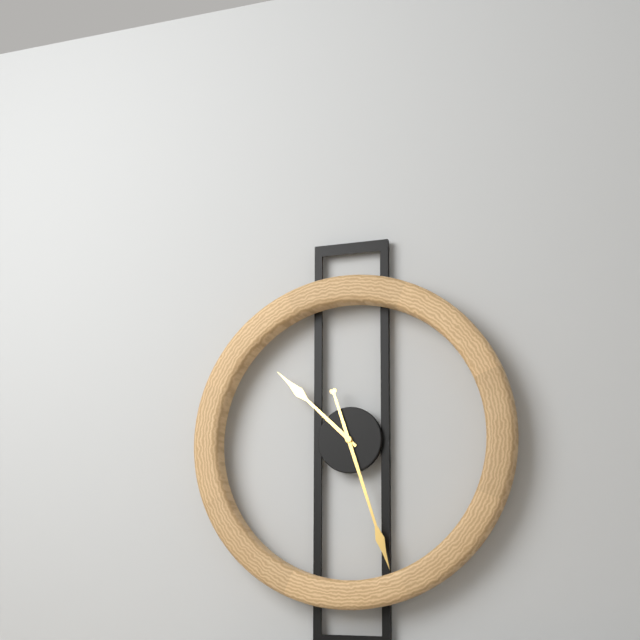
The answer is 10,27
